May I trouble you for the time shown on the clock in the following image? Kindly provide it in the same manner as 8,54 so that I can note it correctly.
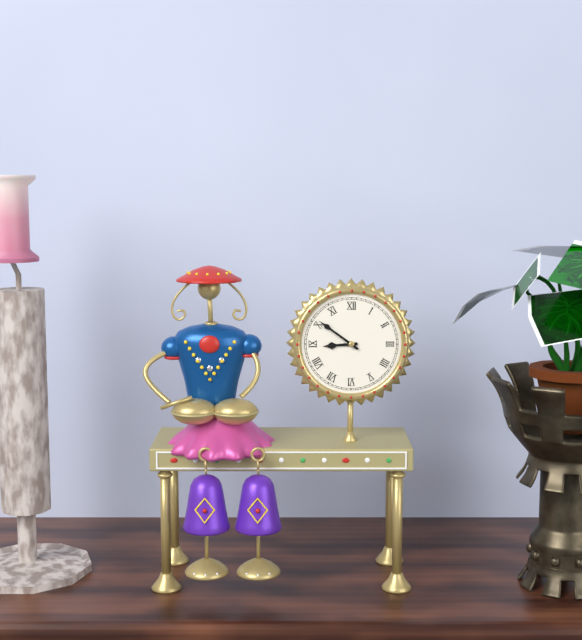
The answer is 8,51
